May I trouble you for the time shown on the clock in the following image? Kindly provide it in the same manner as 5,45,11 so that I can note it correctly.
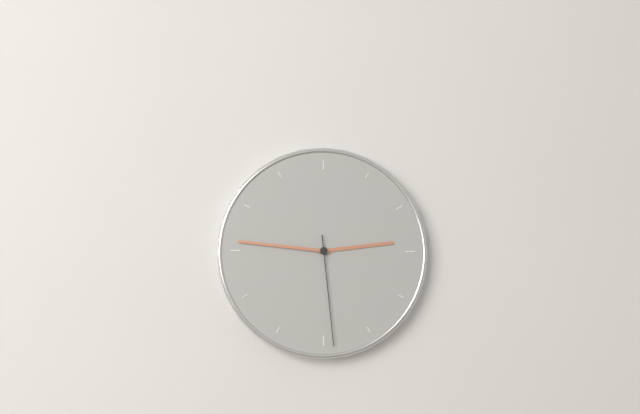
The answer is 2,46,29
